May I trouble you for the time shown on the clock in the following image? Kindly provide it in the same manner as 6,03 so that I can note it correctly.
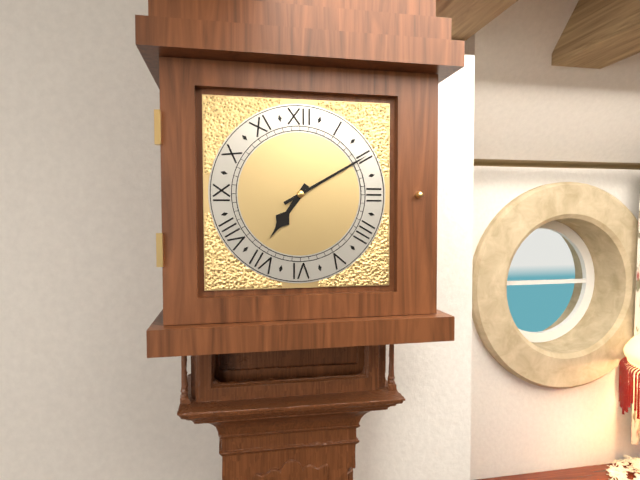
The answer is 7,10
